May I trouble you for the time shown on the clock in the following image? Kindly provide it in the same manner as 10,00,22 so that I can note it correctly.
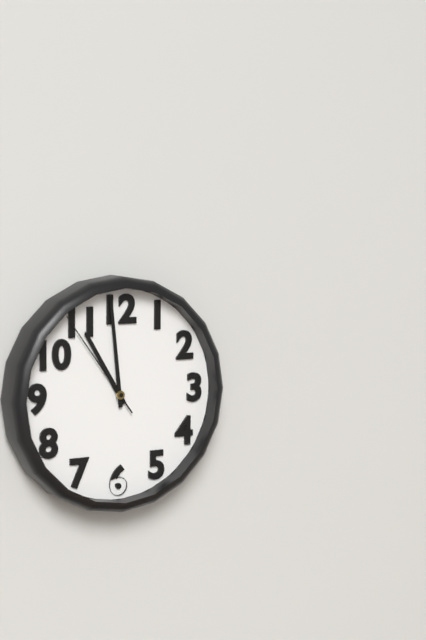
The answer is 10,59,54
